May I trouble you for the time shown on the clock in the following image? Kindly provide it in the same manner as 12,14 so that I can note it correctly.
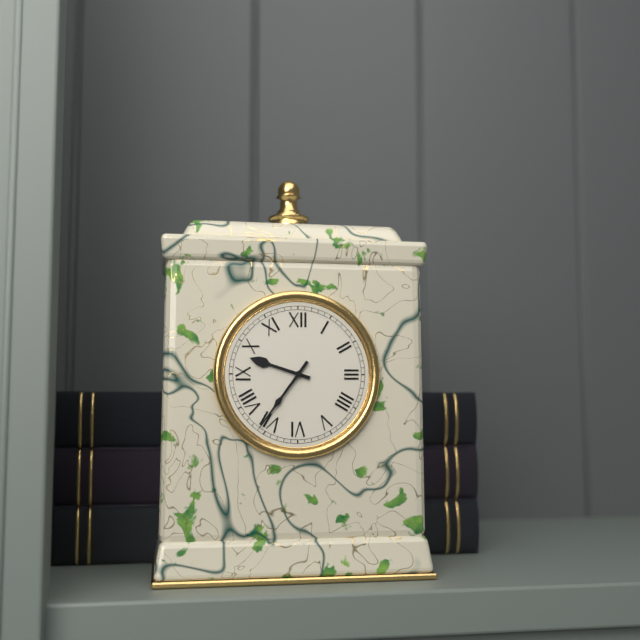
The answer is 9,36
